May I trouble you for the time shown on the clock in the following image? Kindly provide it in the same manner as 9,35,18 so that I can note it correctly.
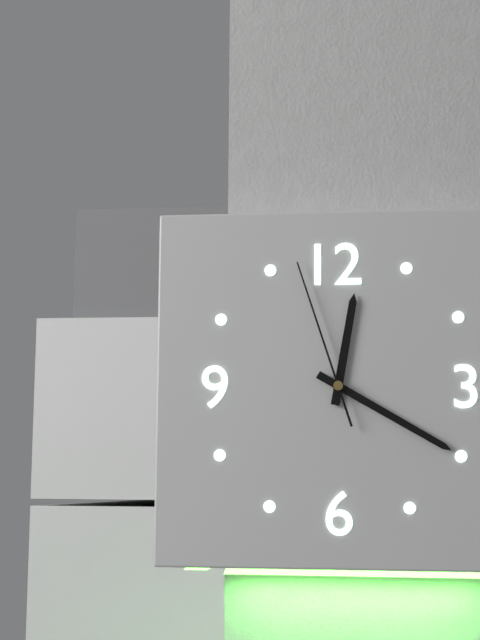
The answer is 12,20,57
